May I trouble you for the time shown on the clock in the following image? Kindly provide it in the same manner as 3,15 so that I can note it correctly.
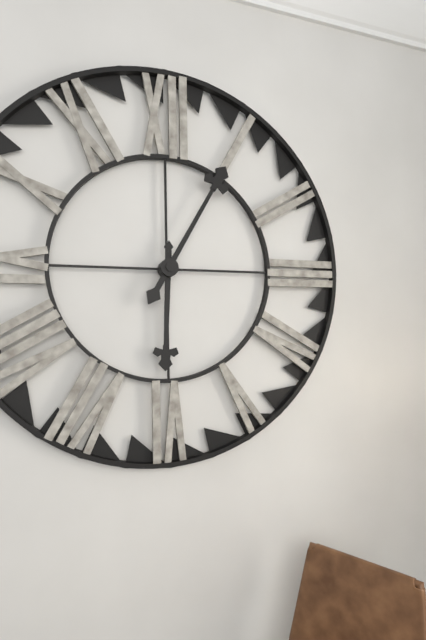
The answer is 6,05
